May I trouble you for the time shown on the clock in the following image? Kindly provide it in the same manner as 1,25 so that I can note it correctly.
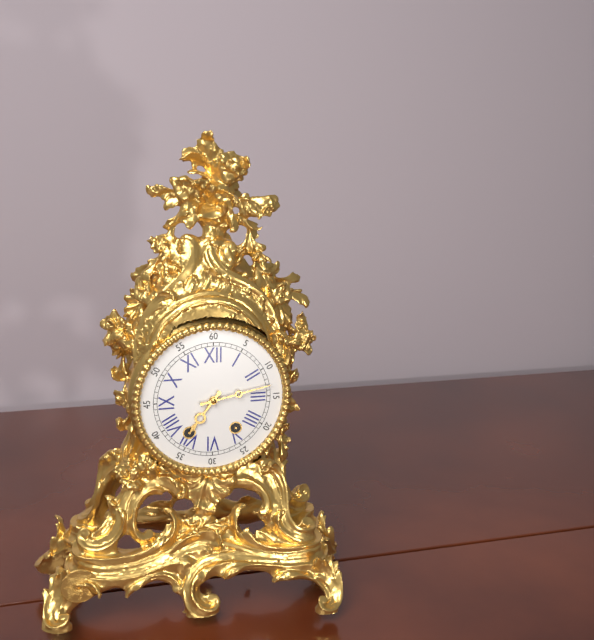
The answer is 7,13
